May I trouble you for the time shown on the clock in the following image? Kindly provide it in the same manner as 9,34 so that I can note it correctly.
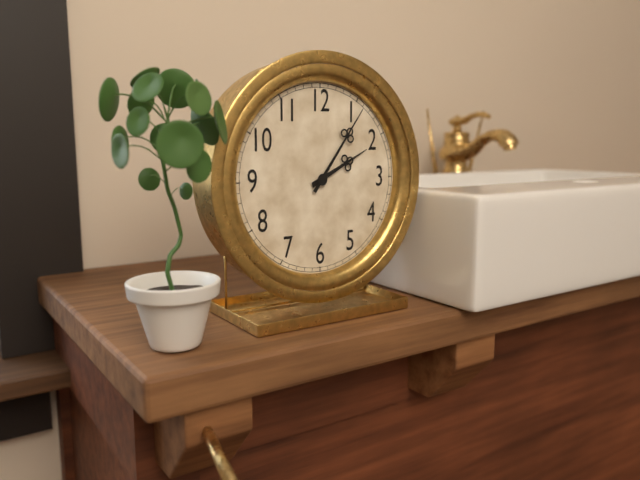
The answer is 2,06
